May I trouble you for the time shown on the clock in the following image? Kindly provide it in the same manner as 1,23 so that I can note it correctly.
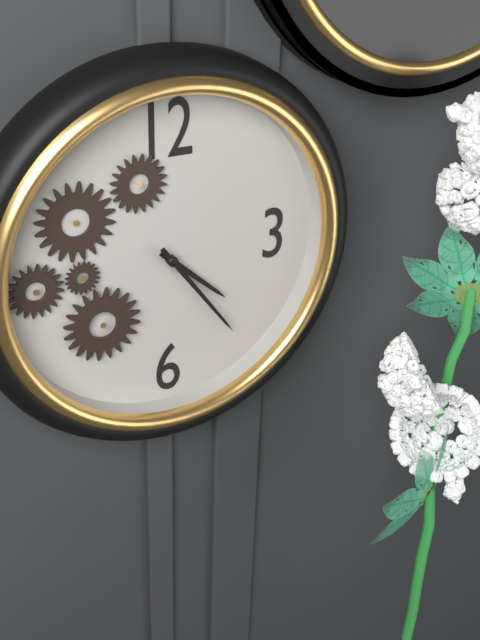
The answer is 4,24
